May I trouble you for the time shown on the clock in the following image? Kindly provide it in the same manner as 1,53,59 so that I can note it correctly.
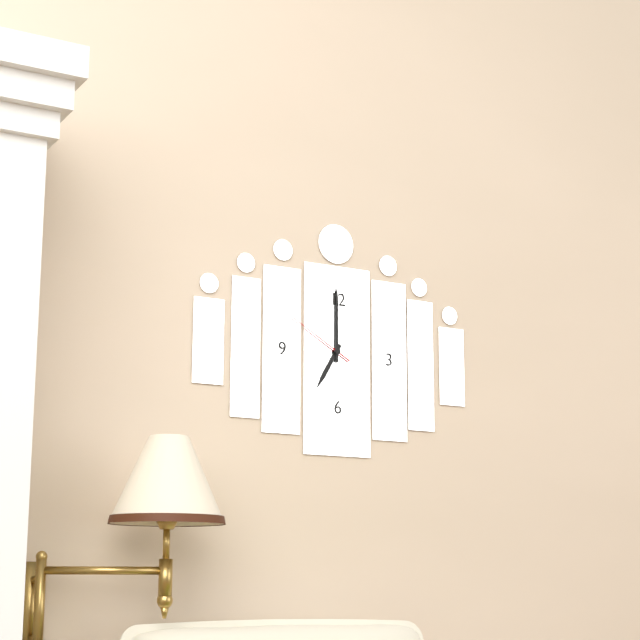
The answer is 7,00,50
